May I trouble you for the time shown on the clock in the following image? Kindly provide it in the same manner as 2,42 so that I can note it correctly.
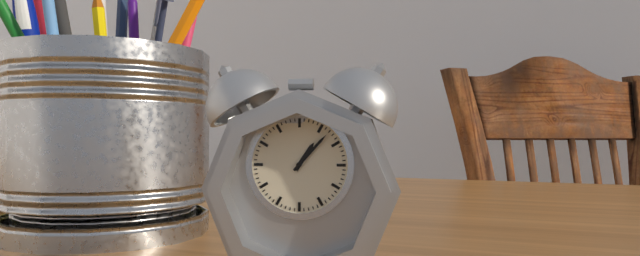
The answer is 1,07
